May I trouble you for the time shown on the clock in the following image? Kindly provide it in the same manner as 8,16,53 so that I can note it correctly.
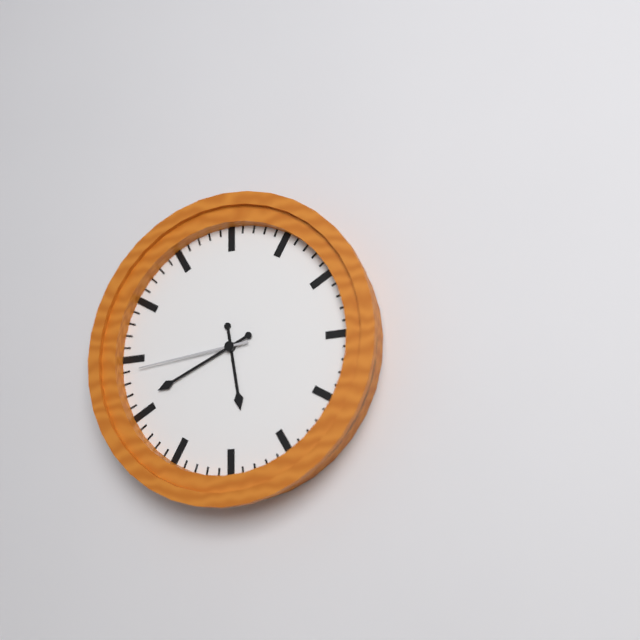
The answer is 5,41,44
